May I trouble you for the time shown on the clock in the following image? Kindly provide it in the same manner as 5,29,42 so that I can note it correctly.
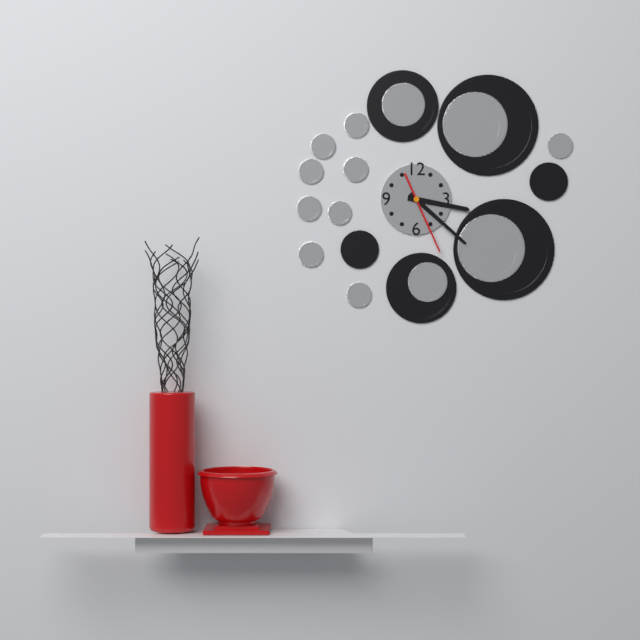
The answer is 3,22,26
